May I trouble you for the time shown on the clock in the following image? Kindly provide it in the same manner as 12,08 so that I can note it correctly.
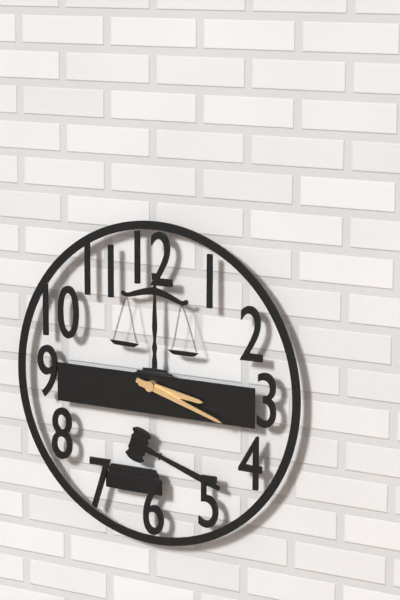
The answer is 3,18
